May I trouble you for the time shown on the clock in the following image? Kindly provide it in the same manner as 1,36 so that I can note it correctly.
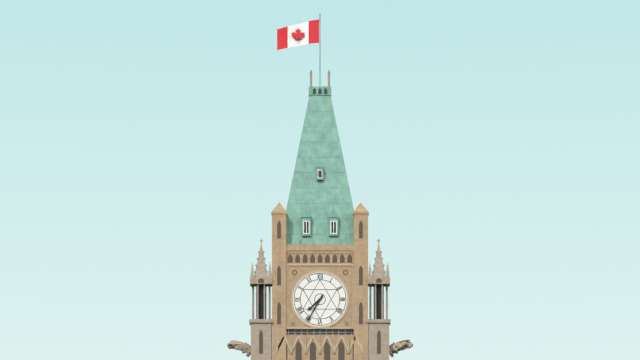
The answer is 7,35
